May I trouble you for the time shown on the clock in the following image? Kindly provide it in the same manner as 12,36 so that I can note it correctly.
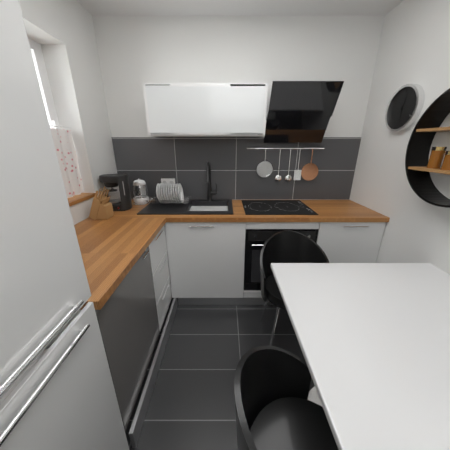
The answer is 12,29
